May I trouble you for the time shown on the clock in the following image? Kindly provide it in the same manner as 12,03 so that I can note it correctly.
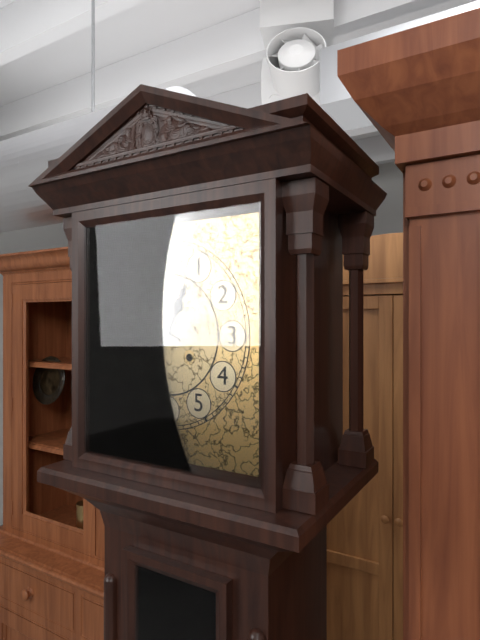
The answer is 12,48
